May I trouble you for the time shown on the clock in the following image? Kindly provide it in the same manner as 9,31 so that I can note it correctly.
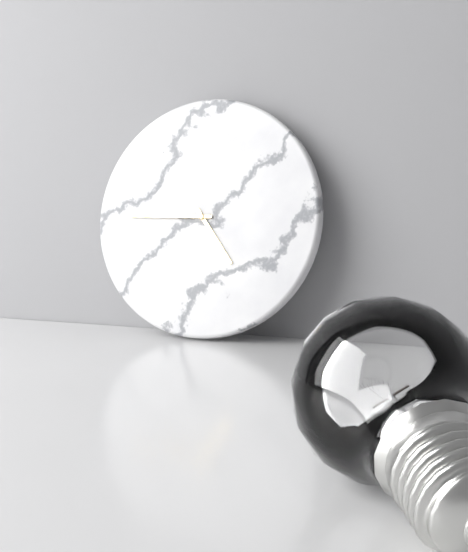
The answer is 4,45
